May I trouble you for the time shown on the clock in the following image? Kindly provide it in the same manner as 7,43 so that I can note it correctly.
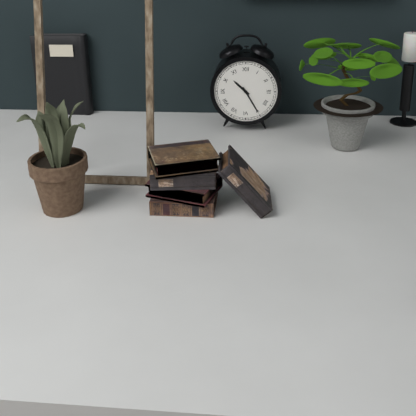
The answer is 10,25
